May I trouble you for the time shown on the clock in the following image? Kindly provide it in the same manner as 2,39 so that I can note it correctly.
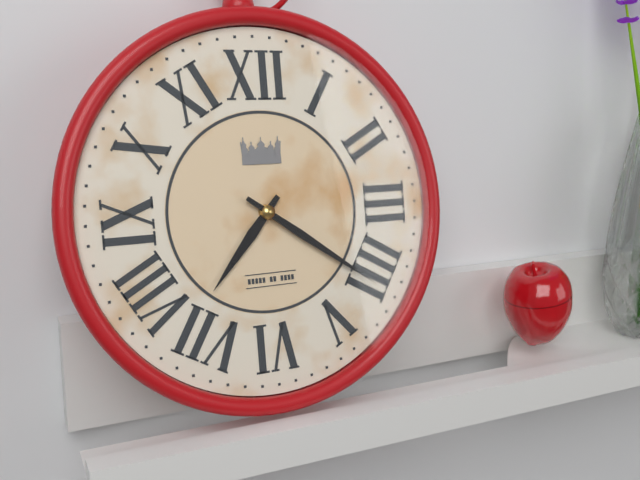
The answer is 7,21
